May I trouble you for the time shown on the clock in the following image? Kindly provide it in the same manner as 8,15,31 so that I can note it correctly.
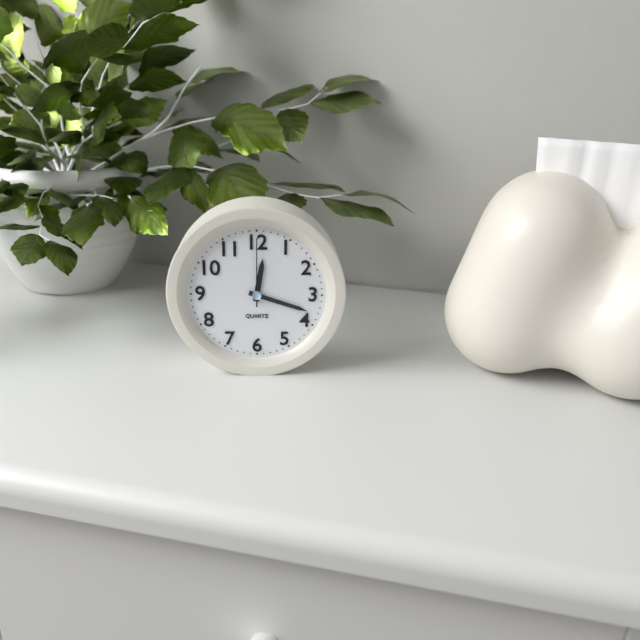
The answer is 12,18,00
